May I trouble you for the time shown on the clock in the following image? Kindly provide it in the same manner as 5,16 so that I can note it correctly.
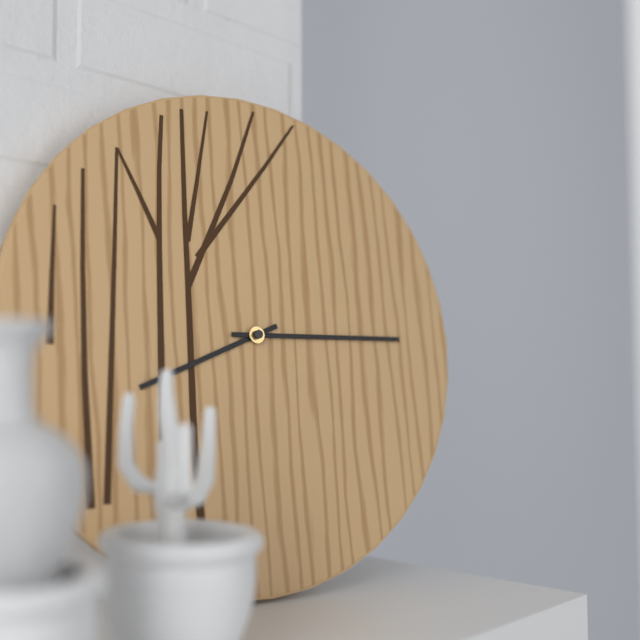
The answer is 8,15
